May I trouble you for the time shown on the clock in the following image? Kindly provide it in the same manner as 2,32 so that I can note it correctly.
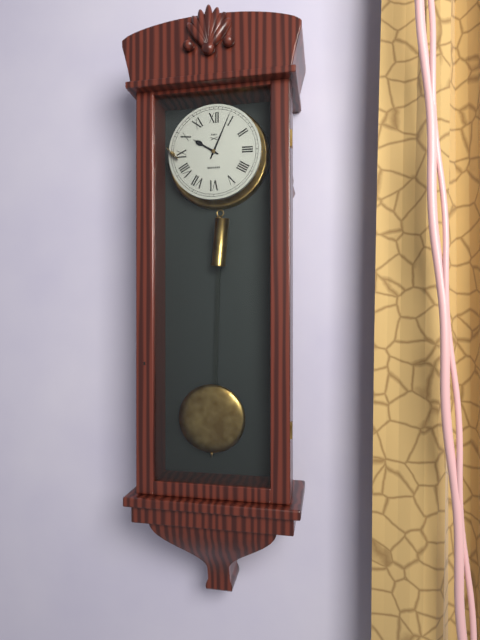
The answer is 10,04
